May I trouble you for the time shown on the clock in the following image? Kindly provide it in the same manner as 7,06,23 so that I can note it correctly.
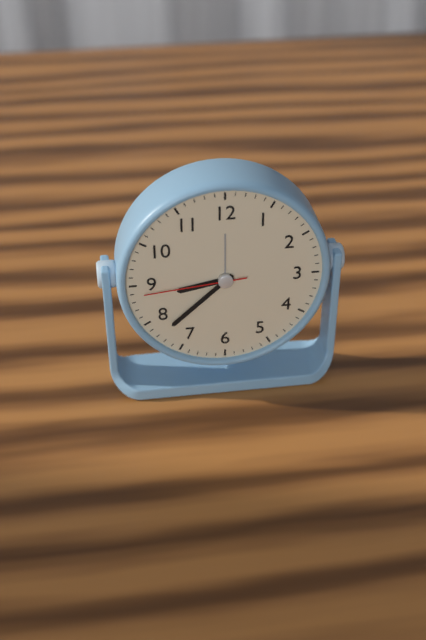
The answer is 8,38,44
